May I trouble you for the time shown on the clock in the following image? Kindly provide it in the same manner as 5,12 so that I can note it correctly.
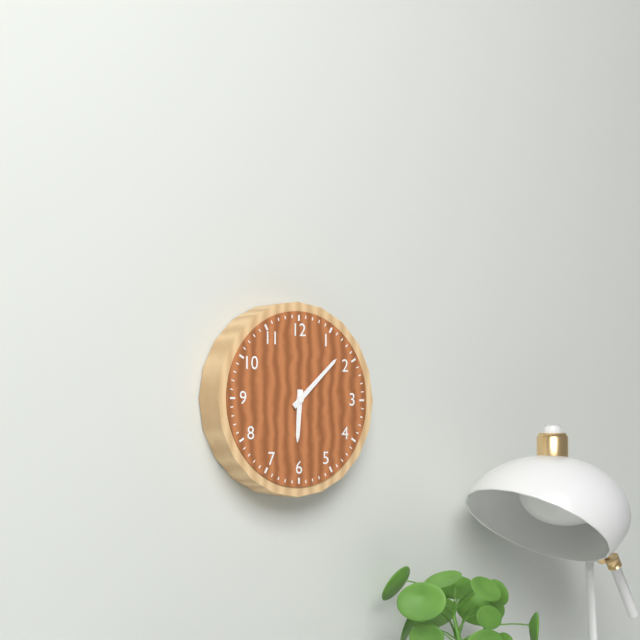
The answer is 6,08
